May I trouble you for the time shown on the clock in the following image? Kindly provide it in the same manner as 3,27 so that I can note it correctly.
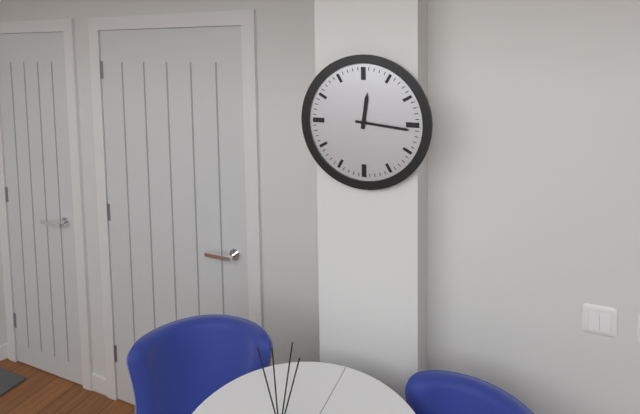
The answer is 12,16
